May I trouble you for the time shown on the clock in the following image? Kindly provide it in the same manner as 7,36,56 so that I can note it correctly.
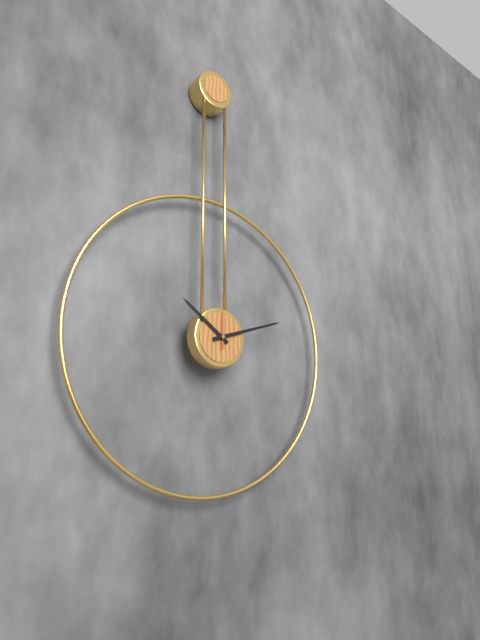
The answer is 10,12,00
